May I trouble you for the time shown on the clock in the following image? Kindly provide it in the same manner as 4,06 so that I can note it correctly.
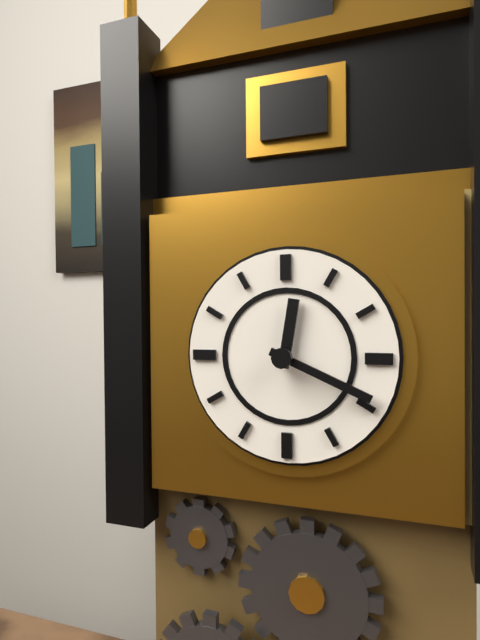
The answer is 12,19
